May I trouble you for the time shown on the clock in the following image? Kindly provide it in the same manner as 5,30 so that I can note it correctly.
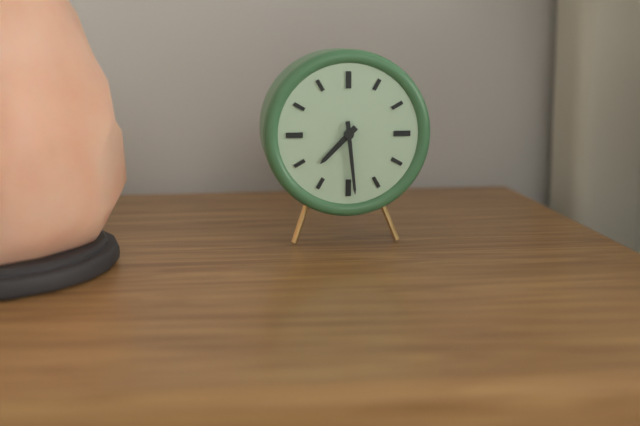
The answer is 7,29
